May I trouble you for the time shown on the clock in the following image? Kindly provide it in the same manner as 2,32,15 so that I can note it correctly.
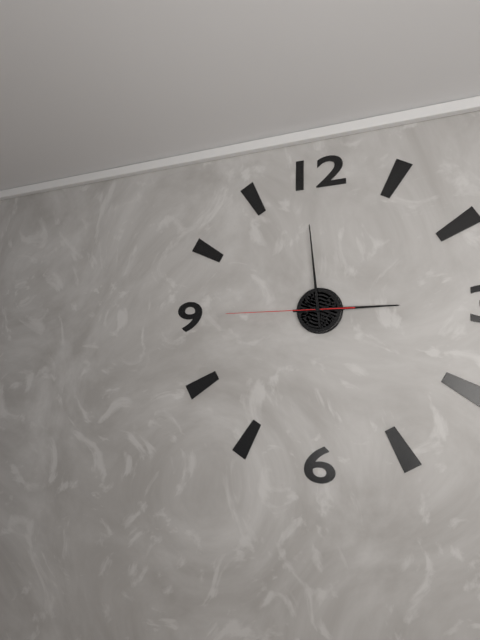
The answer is 2,59,45
